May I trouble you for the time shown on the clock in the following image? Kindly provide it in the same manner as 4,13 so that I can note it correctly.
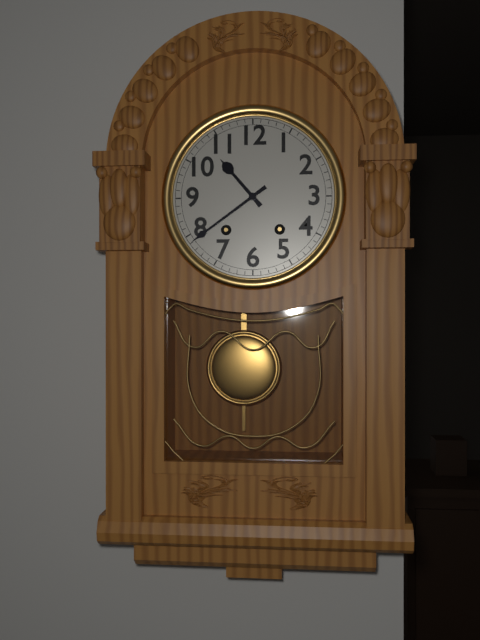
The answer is 10,39
